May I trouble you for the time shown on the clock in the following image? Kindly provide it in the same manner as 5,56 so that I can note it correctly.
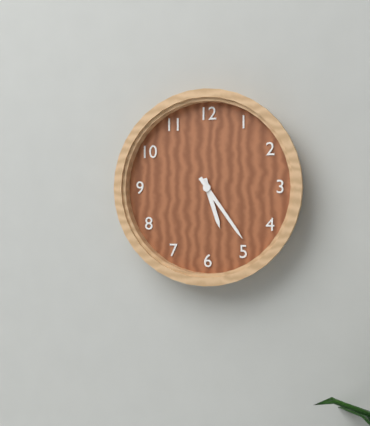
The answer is 5,24
